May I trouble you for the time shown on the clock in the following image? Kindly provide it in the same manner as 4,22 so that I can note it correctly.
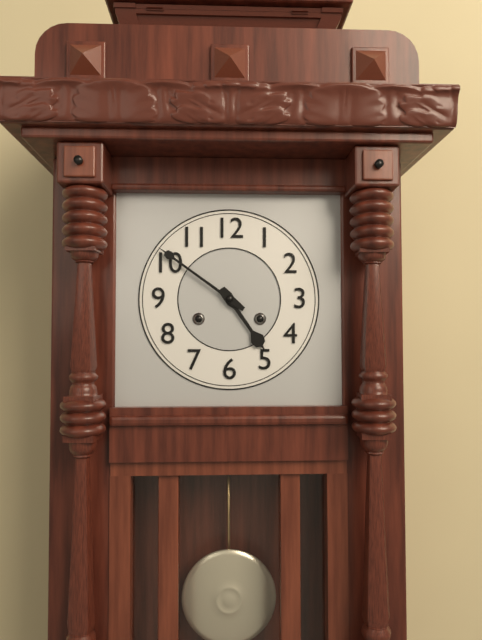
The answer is 4,51
